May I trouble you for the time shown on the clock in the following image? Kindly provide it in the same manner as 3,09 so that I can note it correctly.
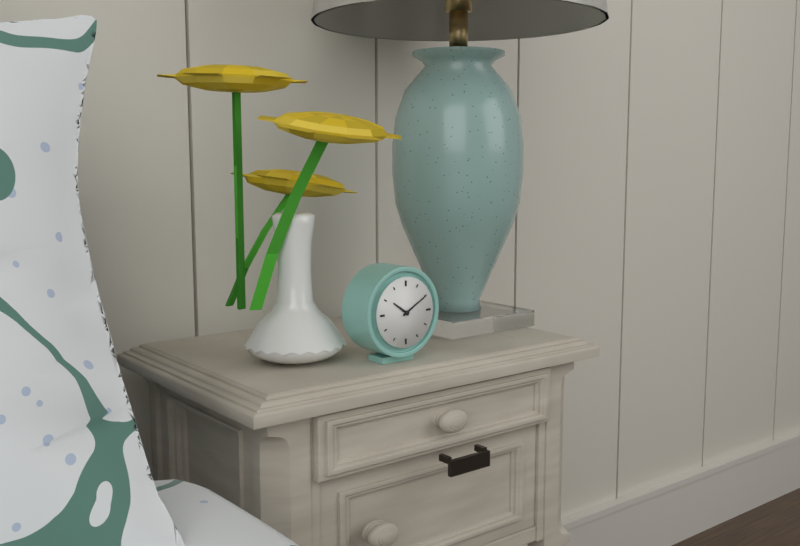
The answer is 10,10
